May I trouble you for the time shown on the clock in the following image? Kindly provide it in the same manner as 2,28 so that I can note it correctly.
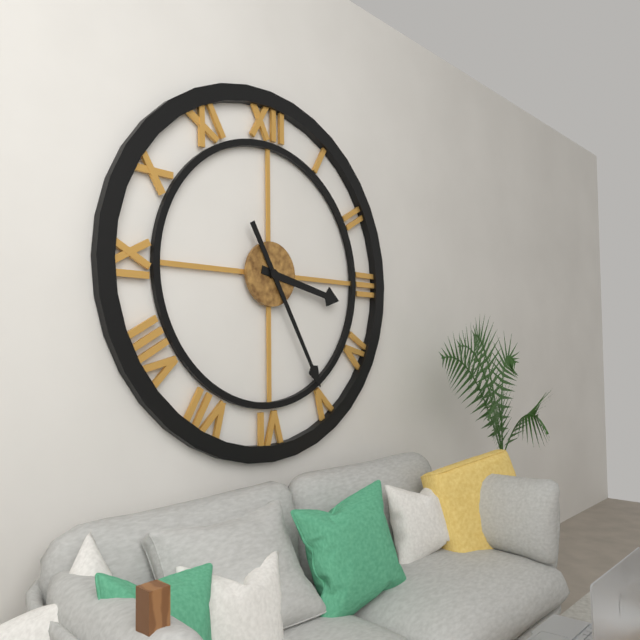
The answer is 3,25
